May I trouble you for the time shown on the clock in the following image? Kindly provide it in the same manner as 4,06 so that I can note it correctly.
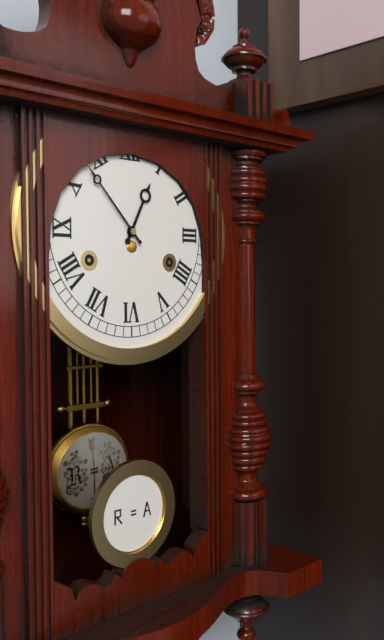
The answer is 12,53
